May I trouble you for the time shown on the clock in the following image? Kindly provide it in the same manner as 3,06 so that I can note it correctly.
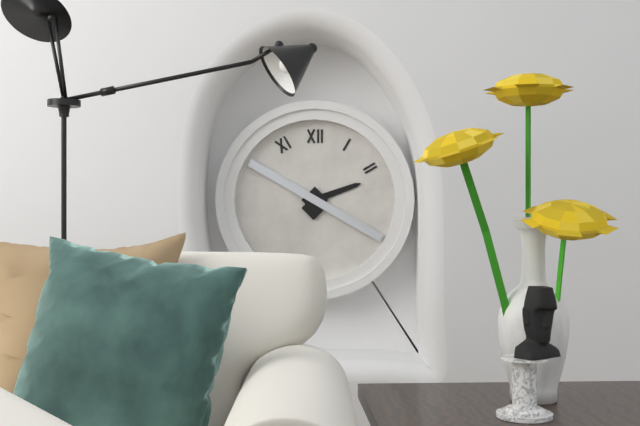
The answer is 2,20
